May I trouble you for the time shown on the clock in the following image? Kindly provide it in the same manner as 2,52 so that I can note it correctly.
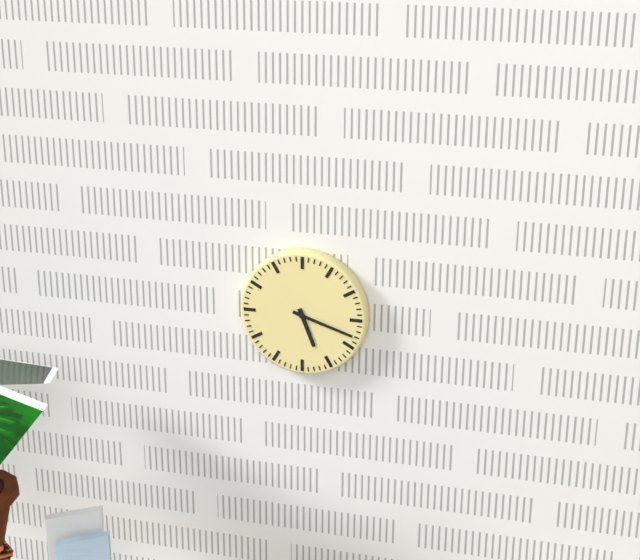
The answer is 5,18
